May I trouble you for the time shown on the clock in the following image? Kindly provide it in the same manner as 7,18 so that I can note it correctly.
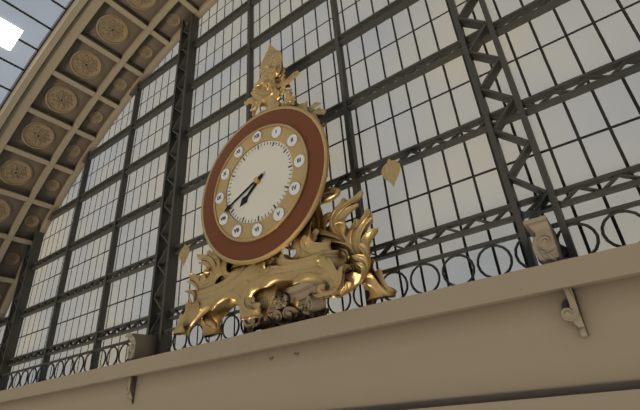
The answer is 7,41
